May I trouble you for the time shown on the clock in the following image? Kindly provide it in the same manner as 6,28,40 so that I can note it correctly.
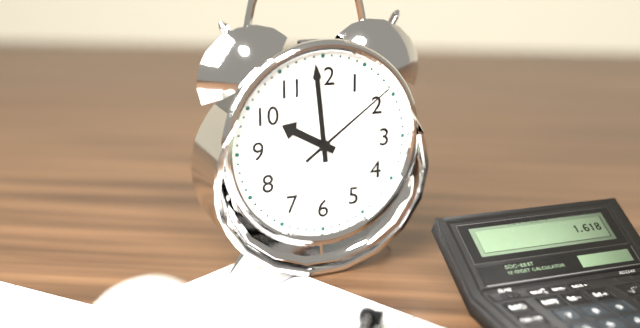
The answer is 9,59,09
